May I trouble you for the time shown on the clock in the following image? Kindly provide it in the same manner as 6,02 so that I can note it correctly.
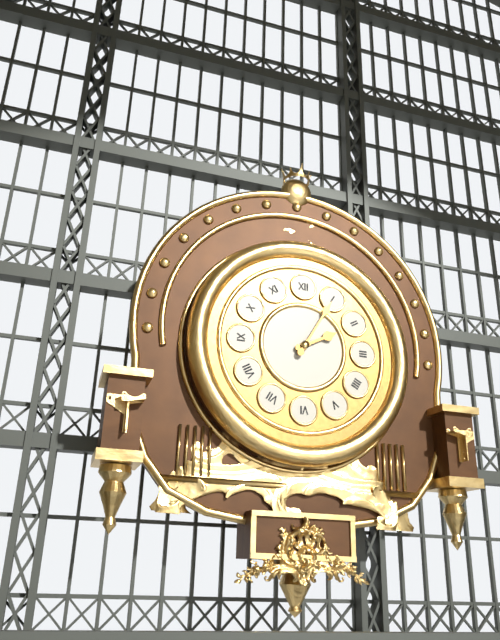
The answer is 2,05
